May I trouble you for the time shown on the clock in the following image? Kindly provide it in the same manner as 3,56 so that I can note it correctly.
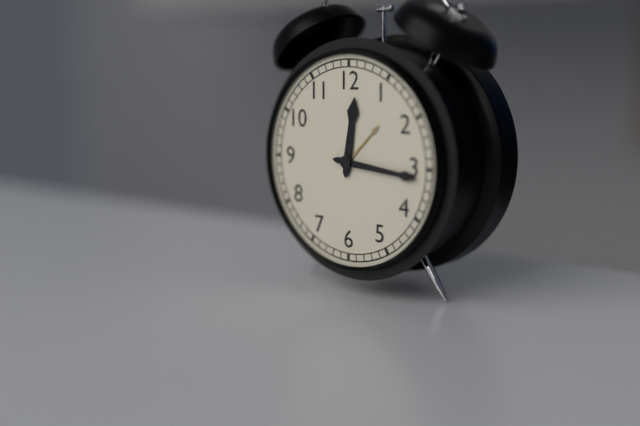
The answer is 12,16
